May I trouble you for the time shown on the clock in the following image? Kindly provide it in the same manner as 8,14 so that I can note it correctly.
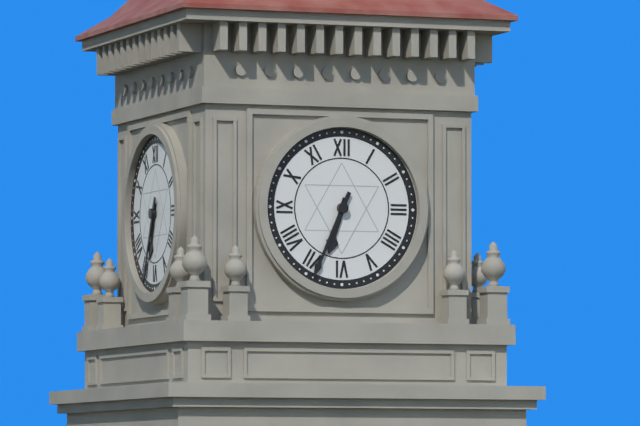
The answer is 6,34
